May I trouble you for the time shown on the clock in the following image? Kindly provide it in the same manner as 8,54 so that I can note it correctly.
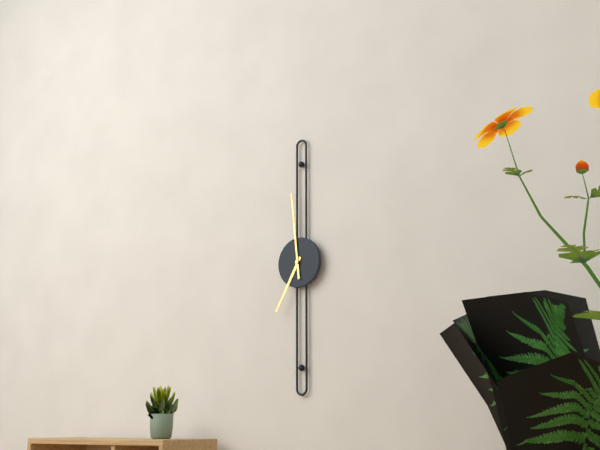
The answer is 6,59
